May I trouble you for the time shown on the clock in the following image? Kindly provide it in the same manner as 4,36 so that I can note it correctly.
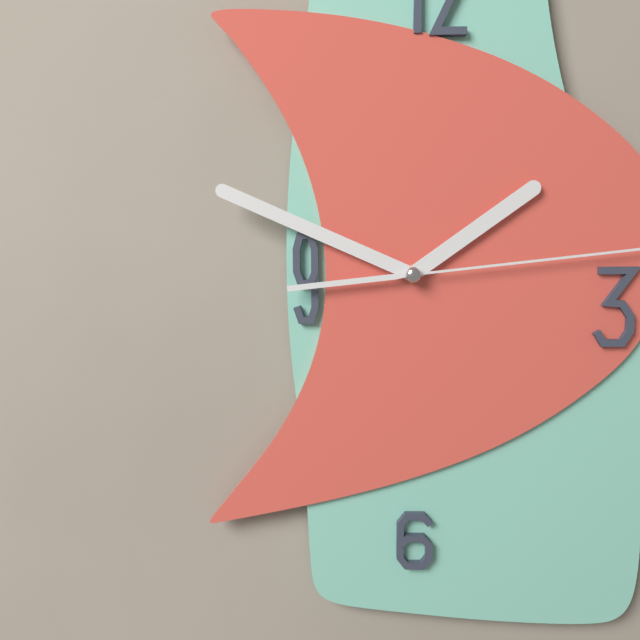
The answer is 1,49
